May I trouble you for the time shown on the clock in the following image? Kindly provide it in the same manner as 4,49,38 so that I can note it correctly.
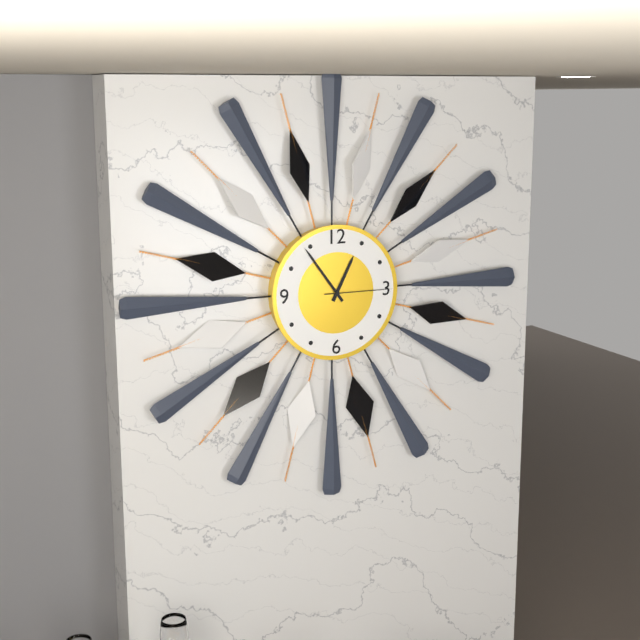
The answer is 12,54,15
